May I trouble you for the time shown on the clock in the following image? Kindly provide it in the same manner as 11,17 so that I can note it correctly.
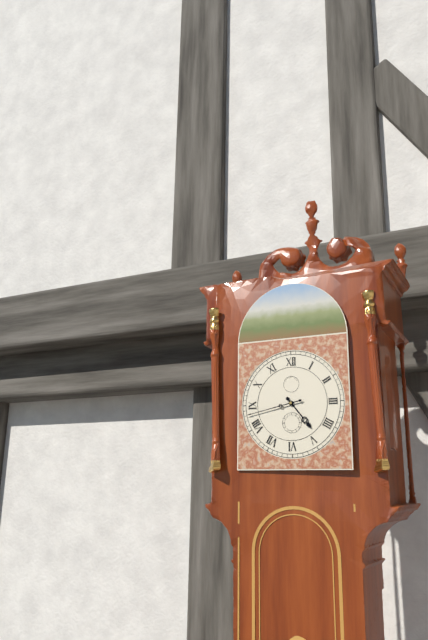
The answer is 4,43
